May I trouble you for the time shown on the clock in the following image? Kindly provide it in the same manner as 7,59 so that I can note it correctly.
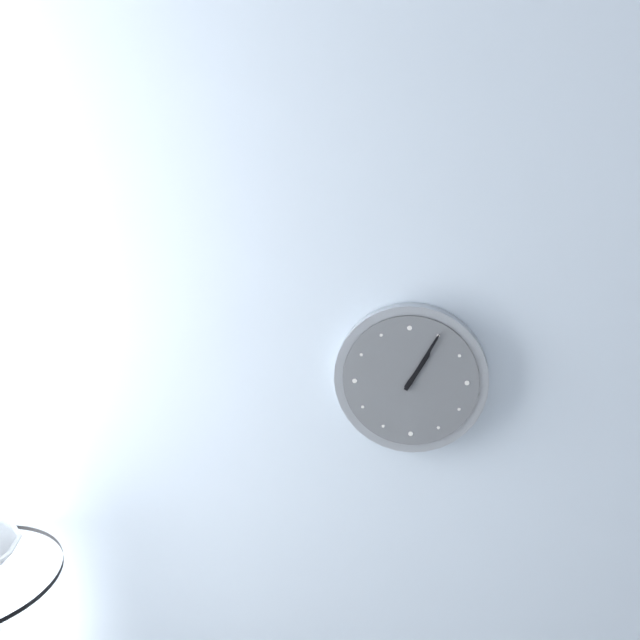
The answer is 1,05
